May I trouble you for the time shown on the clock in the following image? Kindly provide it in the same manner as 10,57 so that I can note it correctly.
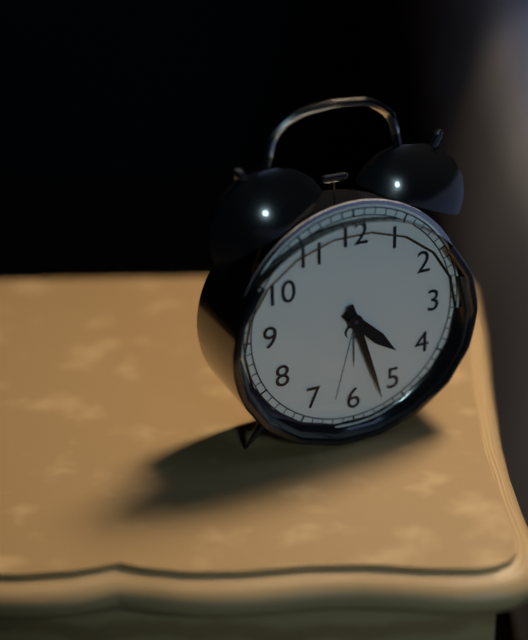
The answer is 4,27
